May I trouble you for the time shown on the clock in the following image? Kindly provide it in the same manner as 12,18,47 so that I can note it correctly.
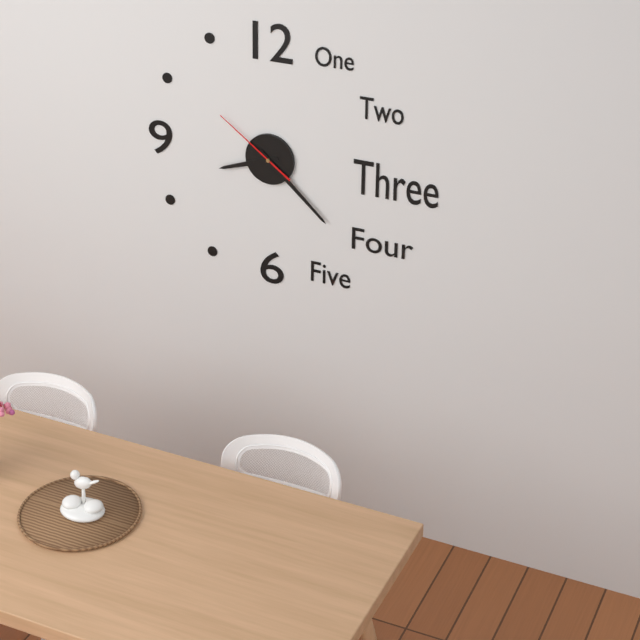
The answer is 8,22,51
